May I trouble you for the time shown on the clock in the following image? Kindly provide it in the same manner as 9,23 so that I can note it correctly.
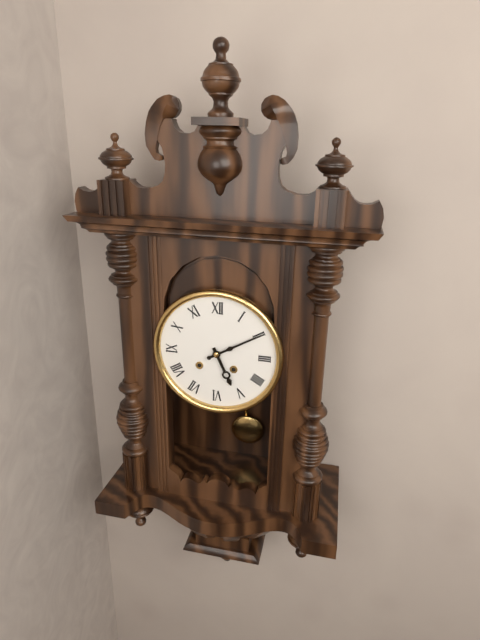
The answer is 5,10
